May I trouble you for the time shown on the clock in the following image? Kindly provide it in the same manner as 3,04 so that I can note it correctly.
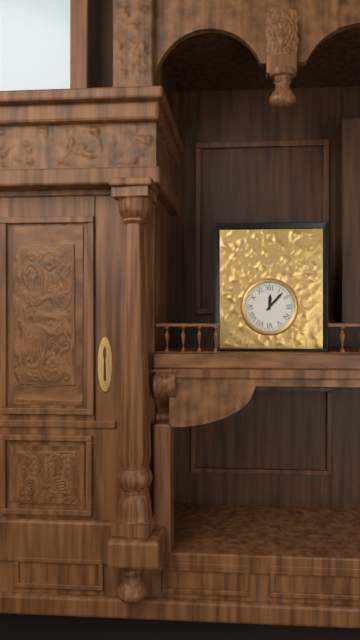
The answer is 12,07
